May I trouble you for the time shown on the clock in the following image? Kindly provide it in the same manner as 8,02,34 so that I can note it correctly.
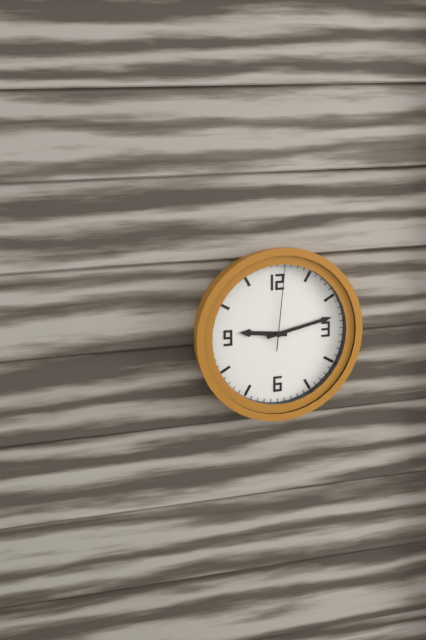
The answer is 9,13,01
